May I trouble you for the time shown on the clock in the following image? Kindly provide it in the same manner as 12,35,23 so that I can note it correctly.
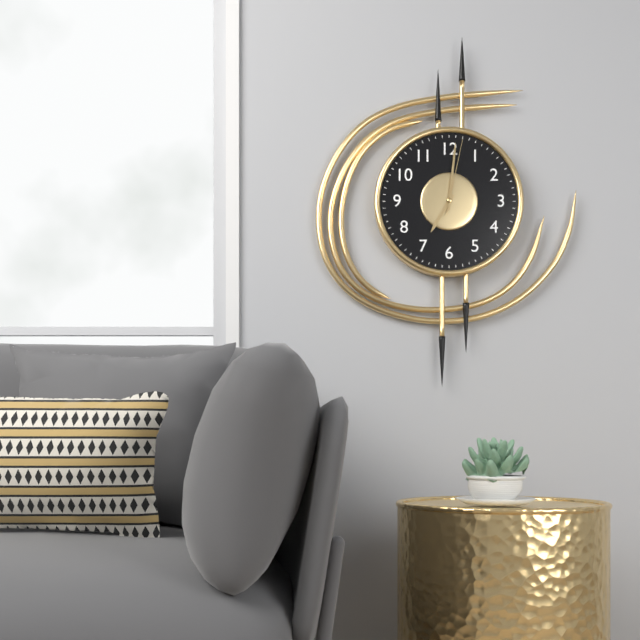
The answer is 7,01,02
